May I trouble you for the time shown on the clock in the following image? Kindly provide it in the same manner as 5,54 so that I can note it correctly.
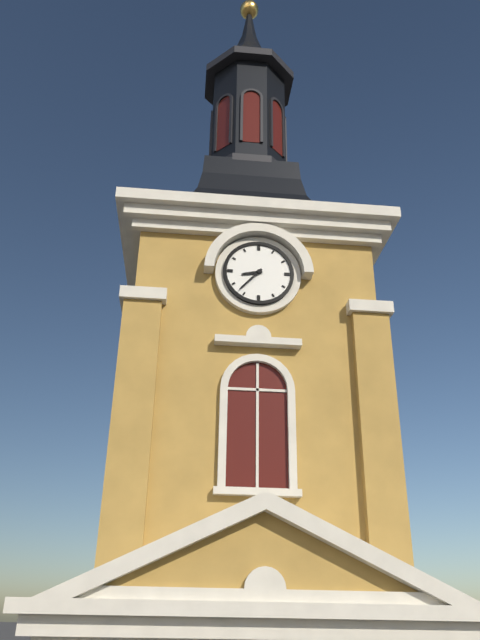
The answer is 8,37
